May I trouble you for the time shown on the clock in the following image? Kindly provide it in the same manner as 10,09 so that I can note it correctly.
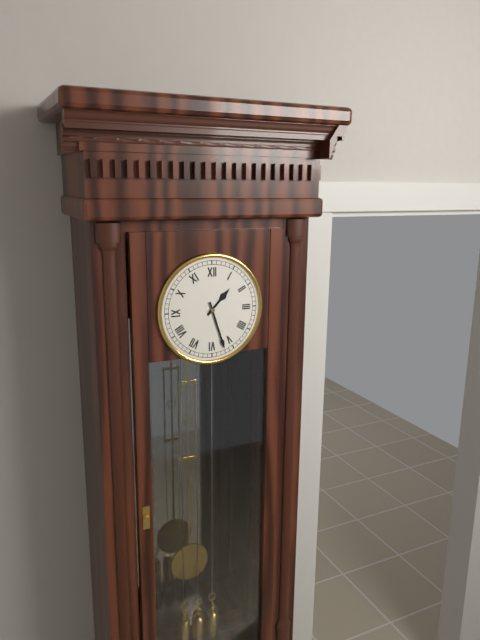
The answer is 1,27
